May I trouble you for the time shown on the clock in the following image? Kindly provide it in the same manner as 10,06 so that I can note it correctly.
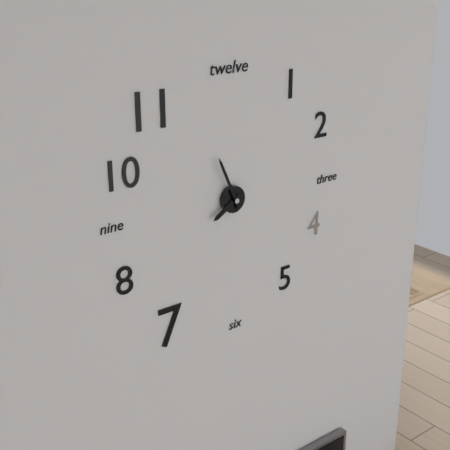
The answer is 7,56
